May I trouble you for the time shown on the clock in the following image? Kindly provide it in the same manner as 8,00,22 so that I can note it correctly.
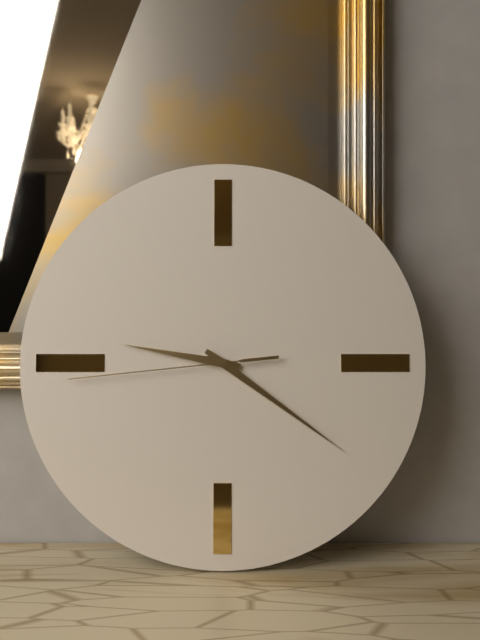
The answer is 9,21,44
